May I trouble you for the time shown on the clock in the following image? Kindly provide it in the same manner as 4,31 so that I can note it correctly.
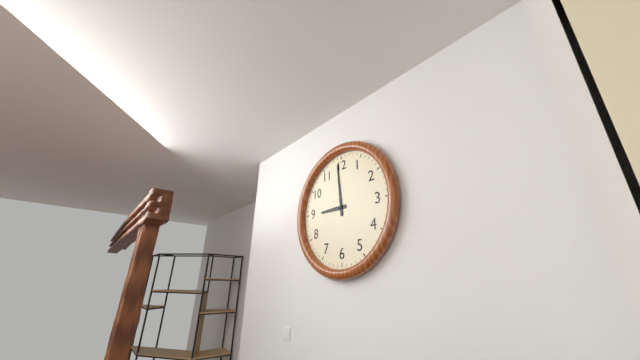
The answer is 8,59
